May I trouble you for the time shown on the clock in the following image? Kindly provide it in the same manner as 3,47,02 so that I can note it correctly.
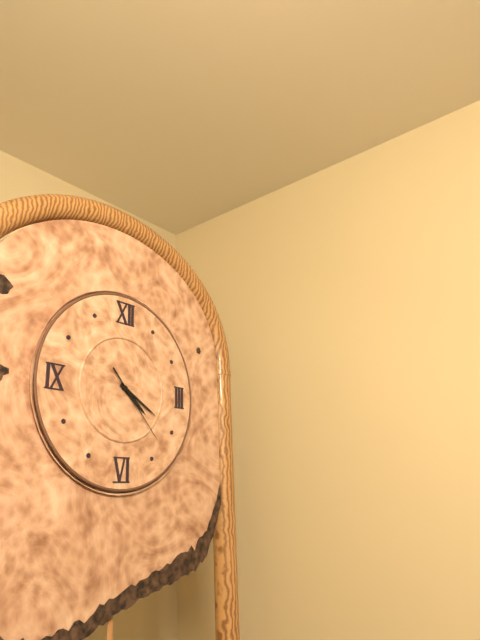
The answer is 4,20,23
